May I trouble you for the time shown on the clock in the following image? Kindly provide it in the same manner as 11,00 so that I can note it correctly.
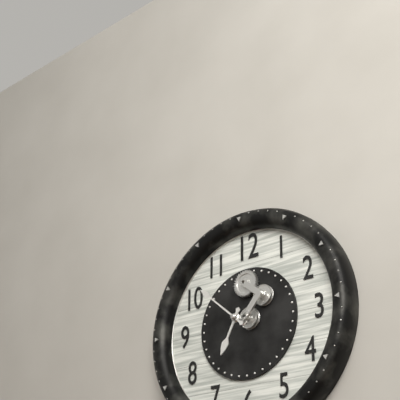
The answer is 6,52
